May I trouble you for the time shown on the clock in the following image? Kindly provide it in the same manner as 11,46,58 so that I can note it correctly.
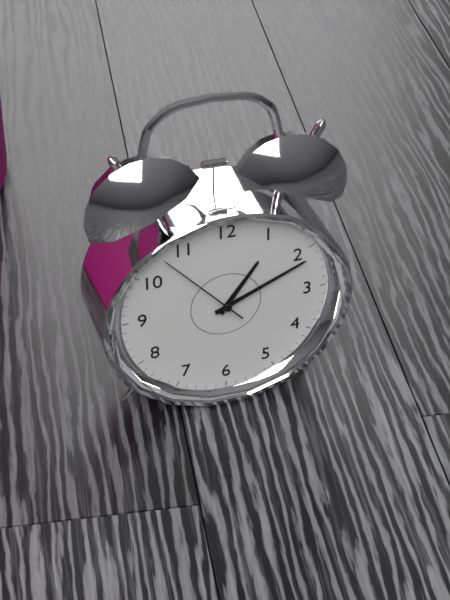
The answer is 1,11,53
